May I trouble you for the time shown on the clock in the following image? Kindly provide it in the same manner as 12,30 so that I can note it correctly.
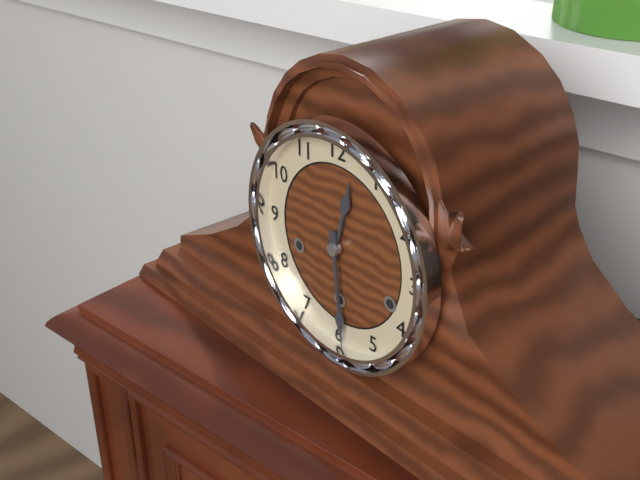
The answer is 12,29
